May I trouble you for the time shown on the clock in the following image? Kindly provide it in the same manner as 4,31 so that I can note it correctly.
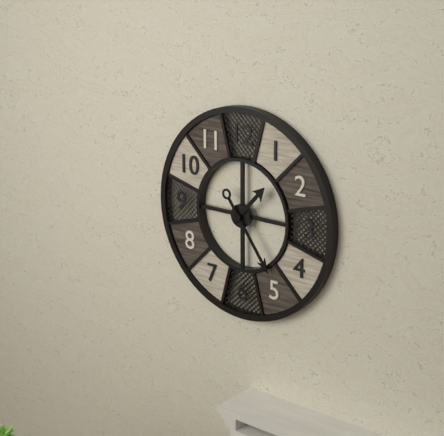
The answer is 1,24
